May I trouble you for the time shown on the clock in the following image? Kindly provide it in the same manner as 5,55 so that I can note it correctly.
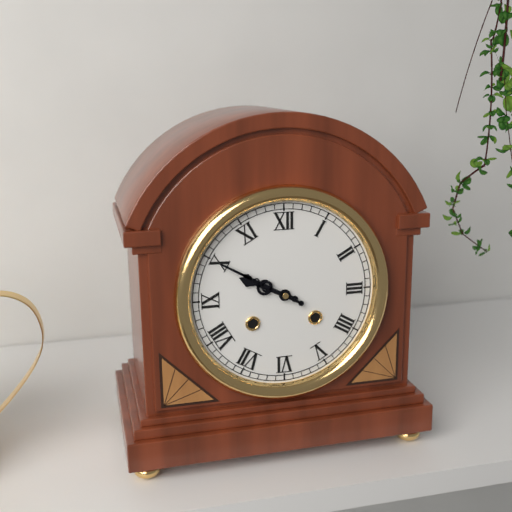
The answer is 9,50
